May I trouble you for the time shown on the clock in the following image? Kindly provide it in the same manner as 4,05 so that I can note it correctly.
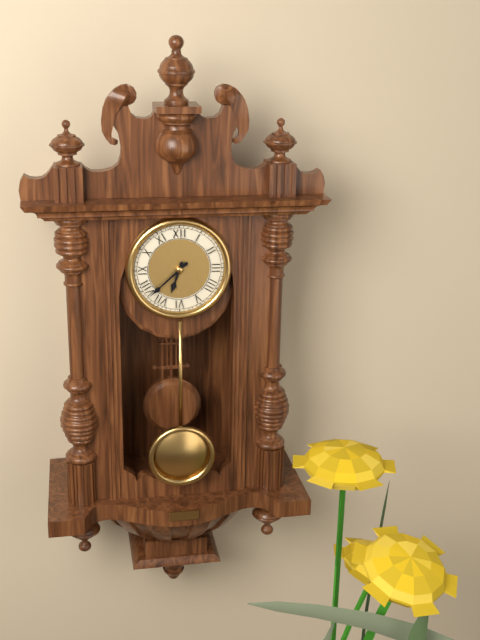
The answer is 6,38
